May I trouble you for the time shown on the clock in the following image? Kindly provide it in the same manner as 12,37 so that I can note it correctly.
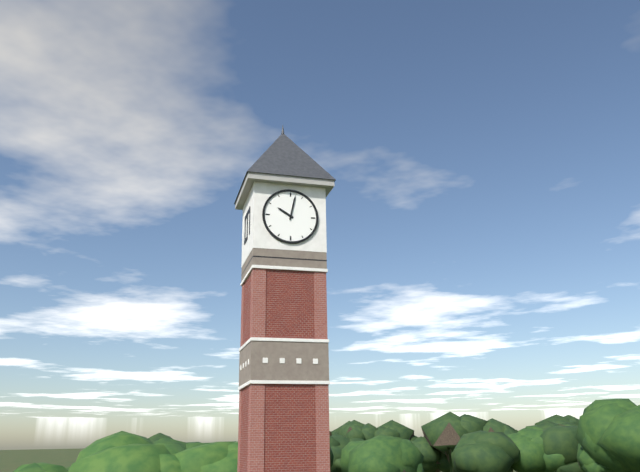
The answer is 10,02
